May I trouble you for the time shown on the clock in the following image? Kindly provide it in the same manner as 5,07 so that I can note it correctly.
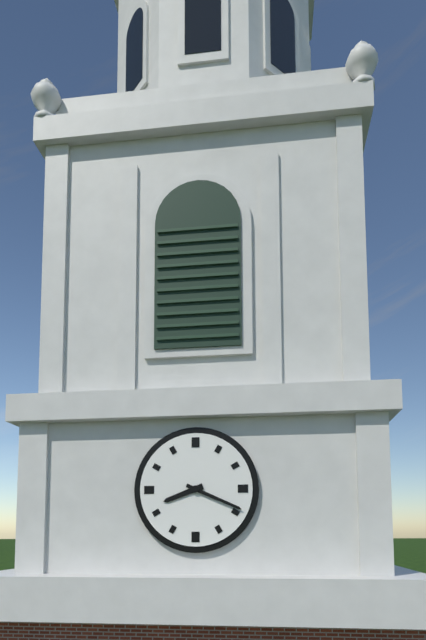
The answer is 8,19
